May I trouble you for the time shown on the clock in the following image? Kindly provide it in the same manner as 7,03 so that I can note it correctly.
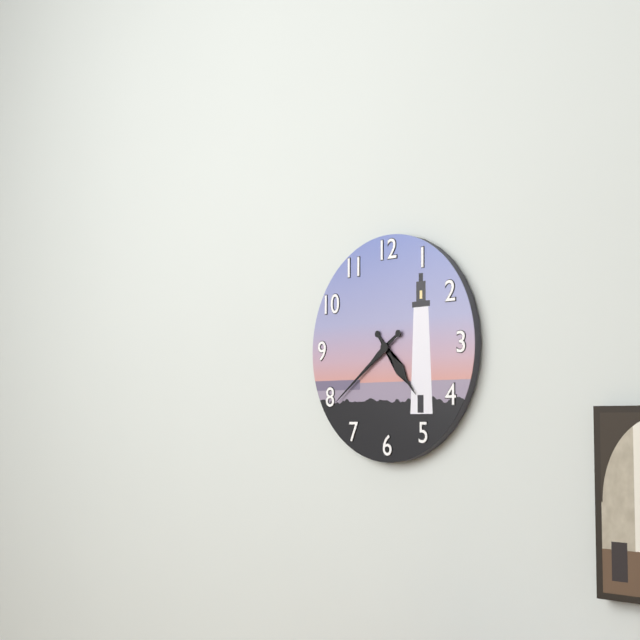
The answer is 4,39
